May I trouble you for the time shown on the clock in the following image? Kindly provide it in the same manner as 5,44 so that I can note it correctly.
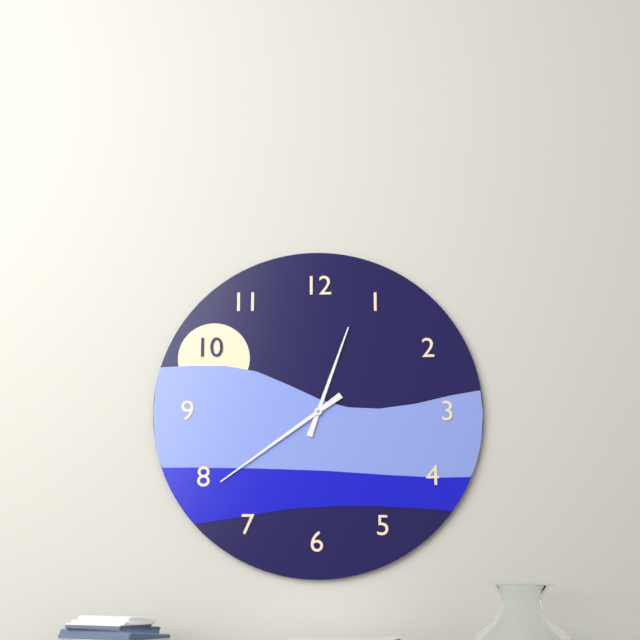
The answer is 12,39
